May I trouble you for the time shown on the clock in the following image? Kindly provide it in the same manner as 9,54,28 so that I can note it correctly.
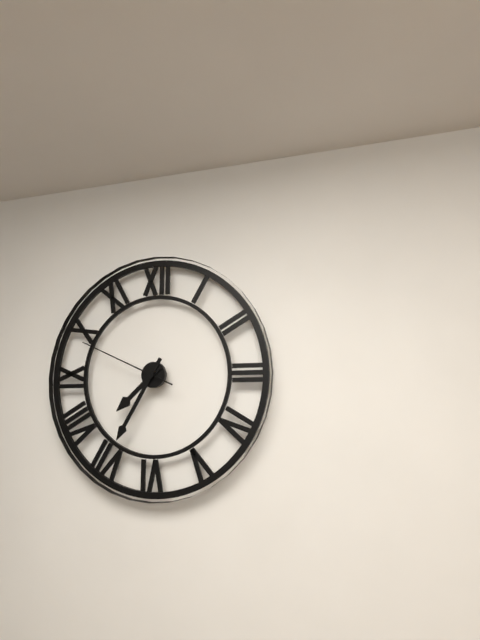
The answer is 7,35,49
